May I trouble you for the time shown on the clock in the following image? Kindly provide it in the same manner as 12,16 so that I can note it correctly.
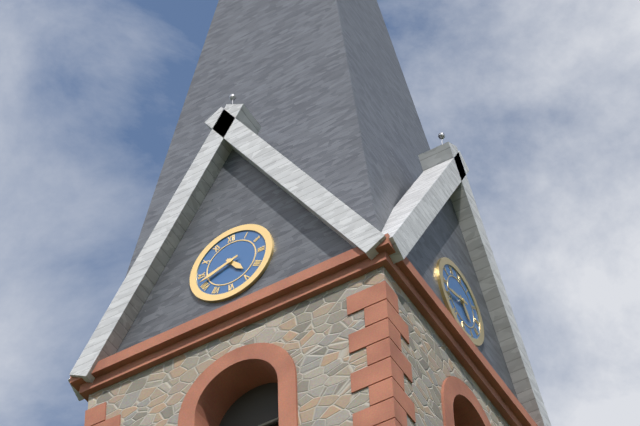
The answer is 4,42
